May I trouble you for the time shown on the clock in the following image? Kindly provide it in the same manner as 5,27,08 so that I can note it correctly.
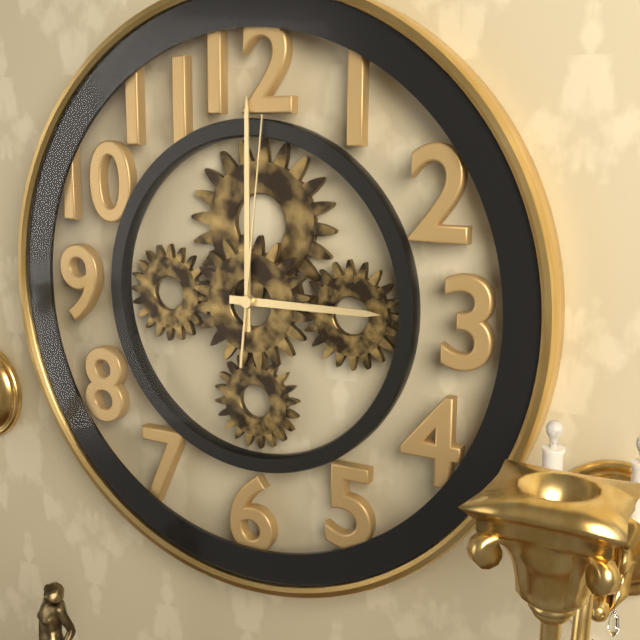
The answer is 3,00,01
